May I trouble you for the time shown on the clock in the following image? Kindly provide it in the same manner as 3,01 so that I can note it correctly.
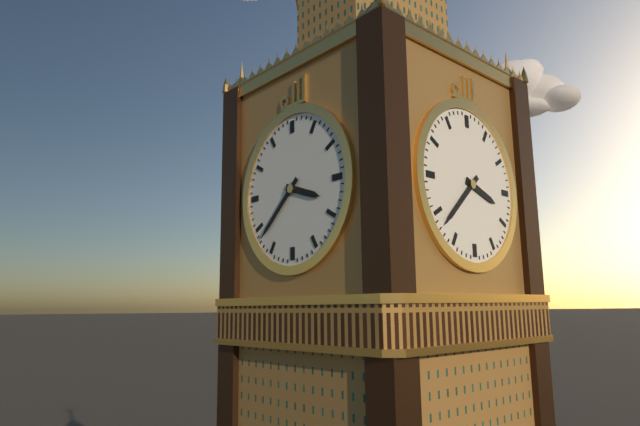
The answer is 3,38
